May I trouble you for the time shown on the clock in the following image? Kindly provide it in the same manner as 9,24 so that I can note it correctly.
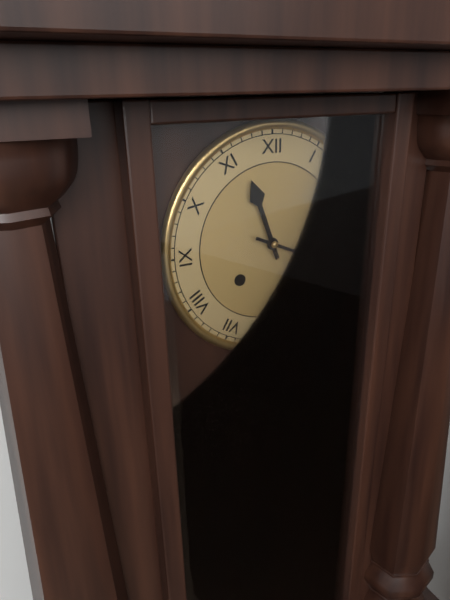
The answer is 11,19
